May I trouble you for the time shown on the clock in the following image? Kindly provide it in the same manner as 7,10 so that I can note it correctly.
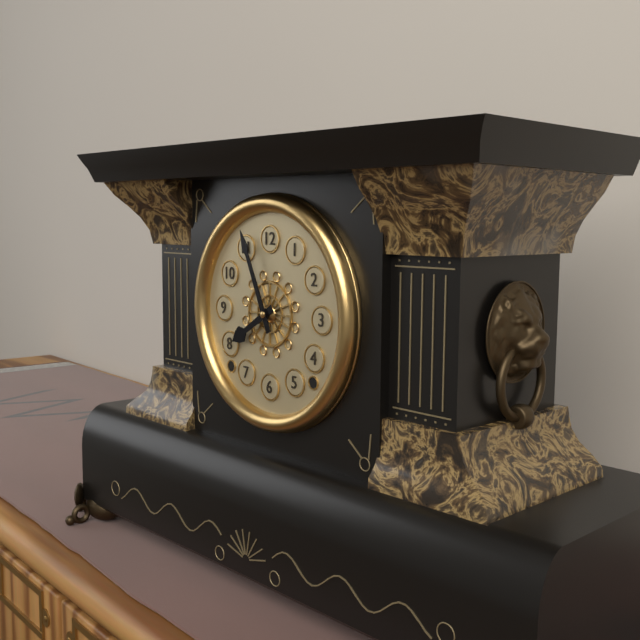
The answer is 7,56
